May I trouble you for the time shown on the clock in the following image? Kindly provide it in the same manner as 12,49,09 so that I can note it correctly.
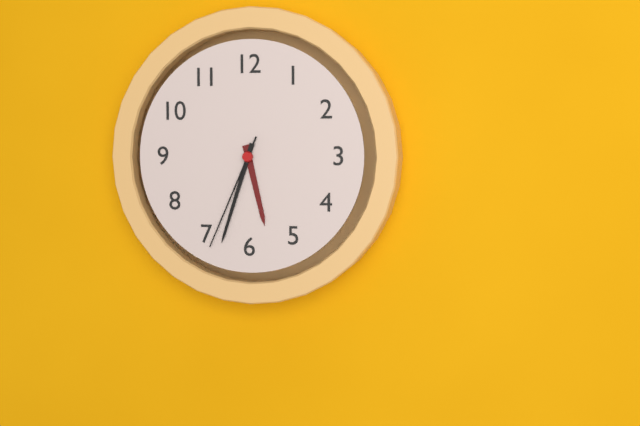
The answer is 5,33,34
